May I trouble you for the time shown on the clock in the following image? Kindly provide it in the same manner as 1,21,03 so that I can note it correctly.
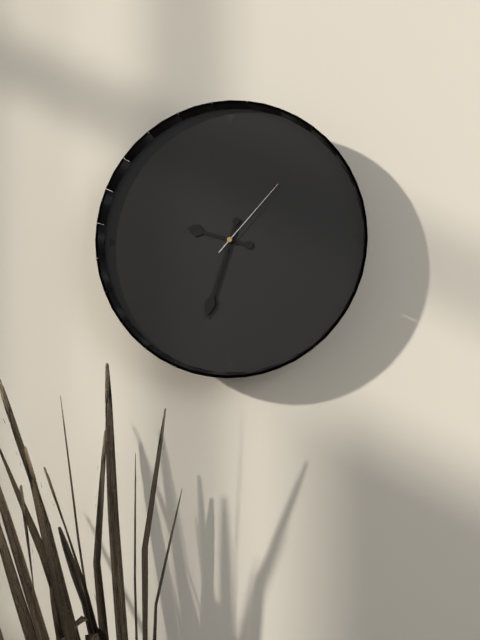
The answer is 9,33,07
